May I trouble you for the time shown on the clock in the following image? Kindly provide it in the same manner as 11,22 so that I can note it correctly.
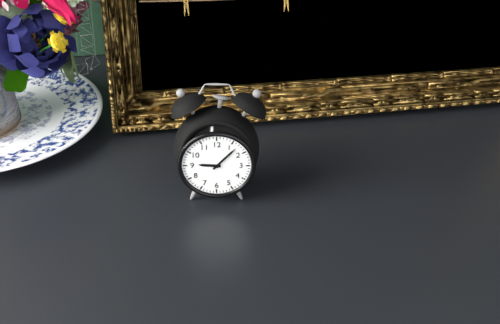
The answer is 9,07
